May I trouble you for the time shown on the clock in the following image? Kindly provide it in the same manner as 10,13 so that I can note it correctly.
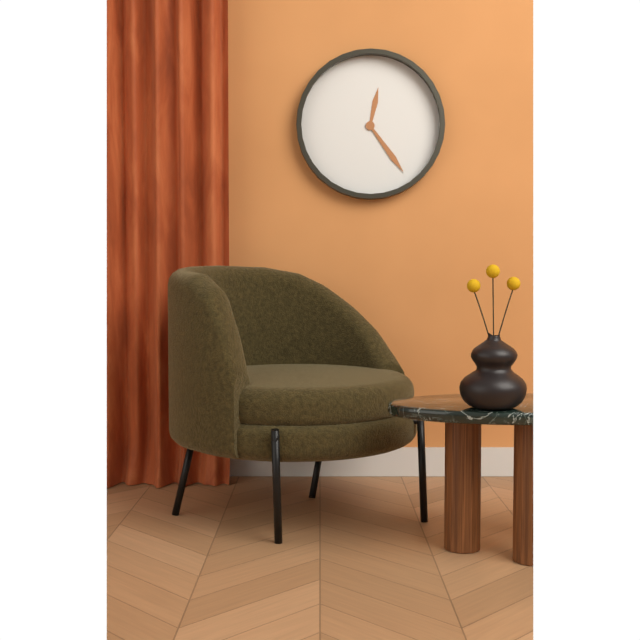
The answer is 12,24
